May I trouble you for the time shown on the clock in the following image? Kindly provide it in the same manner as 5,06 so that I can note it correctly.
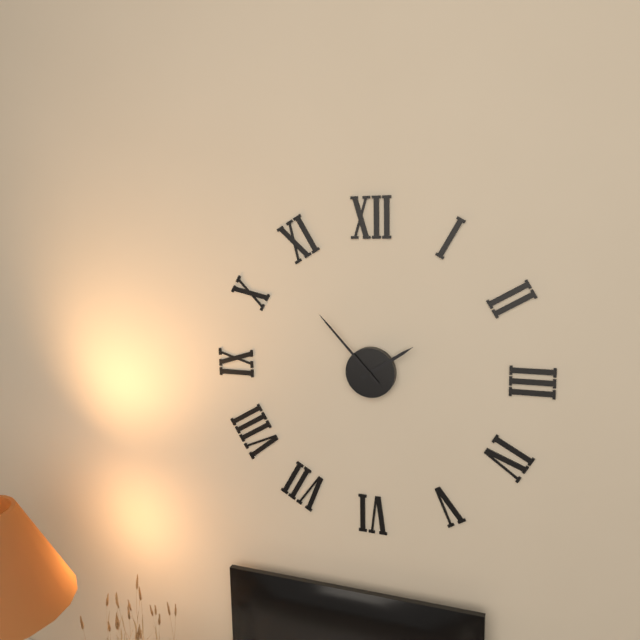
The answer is 1,53
